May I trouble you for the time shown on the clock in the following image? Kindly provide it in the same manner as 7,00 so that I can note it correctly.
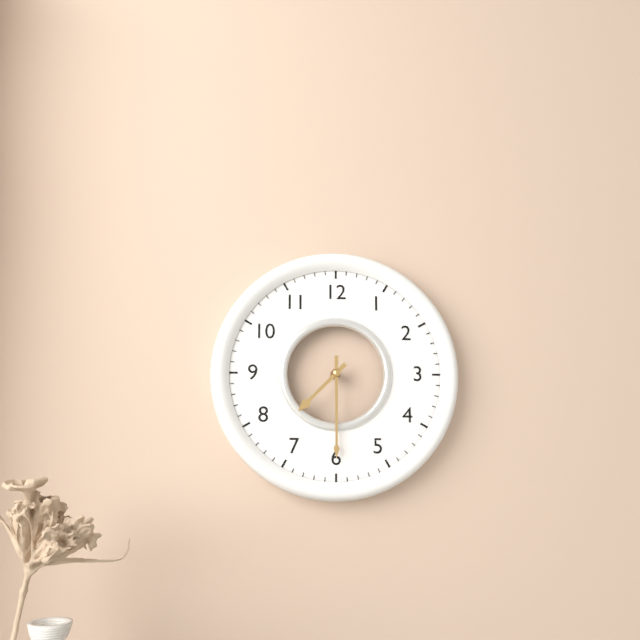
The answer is 7,30
